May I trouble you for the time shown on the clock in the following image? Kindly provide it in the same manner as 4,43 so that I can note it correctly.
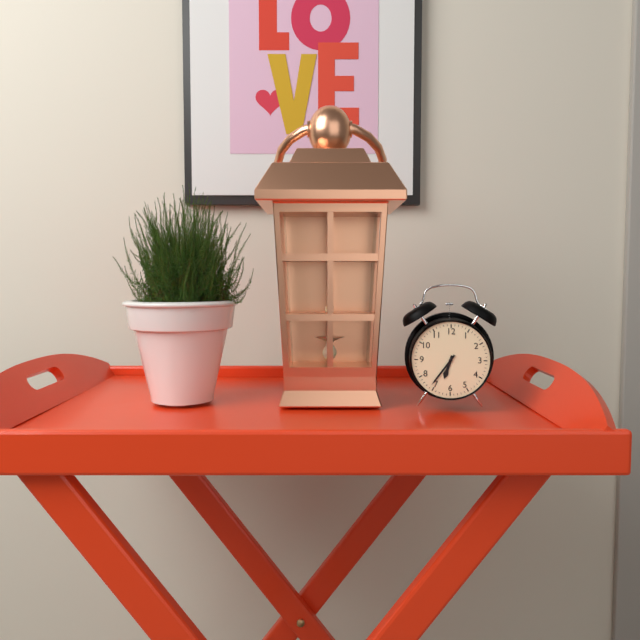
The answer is 6,36
